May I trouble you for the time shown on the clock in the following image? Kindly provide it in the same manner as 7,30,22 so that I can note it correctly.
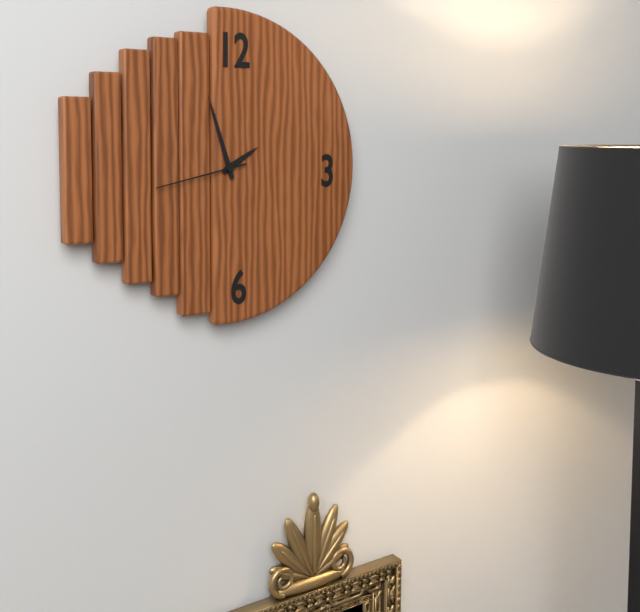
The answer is 1,57,43
